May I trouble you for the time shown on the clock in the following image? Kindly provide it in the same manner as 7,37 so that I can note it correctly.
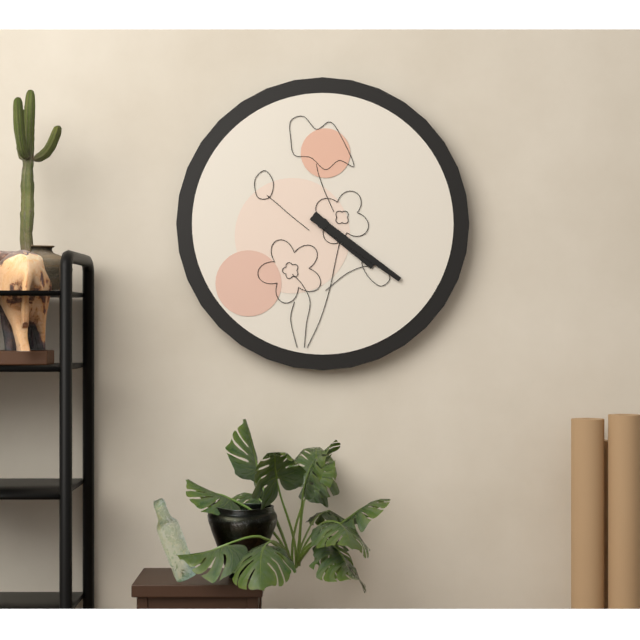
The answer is 4,21
